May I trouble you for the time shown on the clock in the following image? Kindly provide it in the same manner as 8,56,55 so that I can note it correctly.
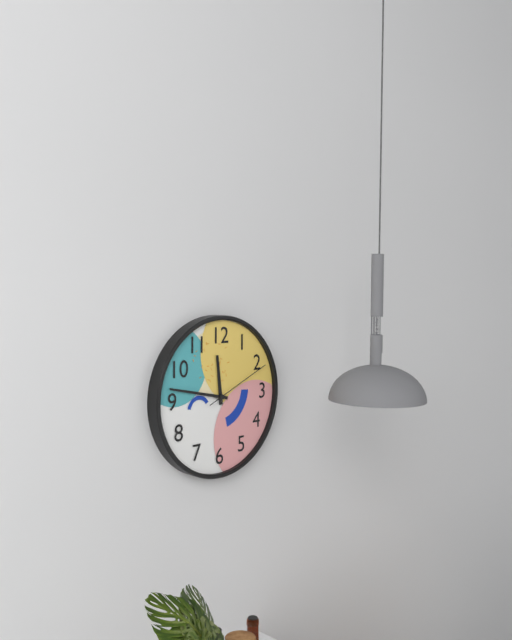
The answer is 11,47,11
